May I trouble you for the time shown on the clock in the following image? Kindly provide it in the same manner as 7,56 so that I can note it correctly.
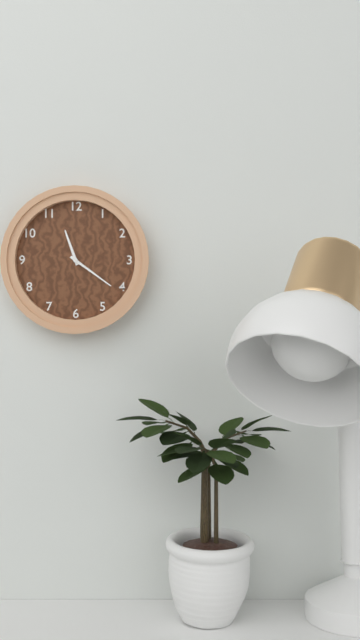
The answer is 11,21
